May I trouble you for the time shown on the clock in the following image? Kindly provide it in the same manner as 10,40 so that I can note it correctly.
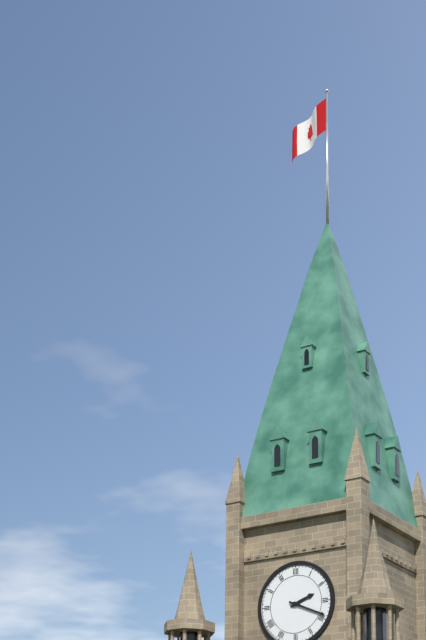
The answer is 2,19
